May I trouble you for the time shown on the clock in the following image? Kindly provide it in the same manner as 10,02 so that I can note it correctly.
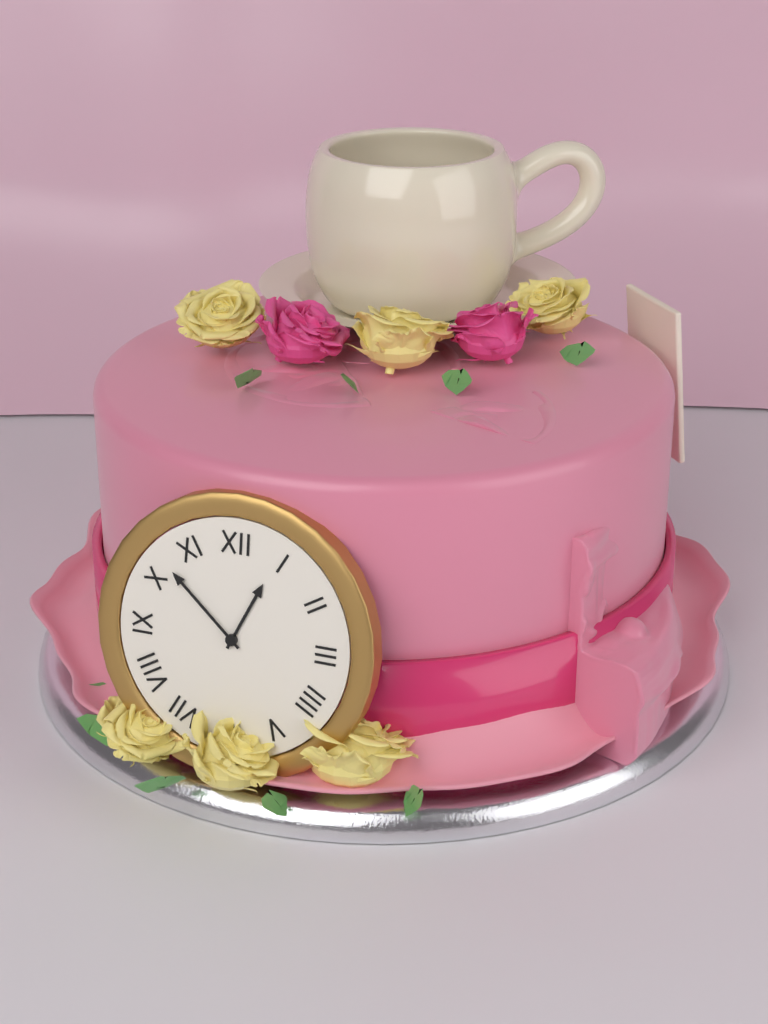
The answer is 12,52
